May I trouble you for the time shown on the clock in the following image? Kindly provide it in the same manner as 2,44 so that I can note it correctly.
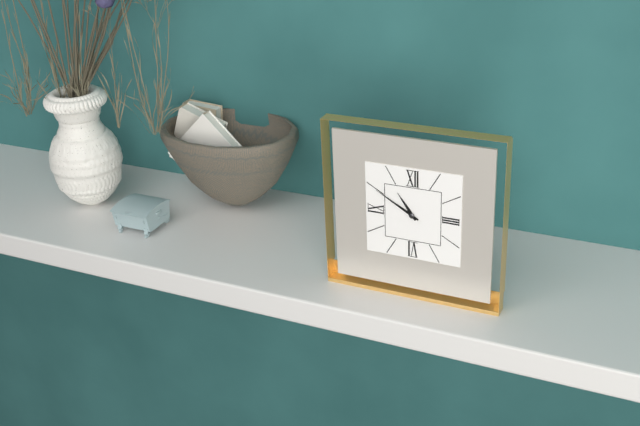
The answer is 10,50
